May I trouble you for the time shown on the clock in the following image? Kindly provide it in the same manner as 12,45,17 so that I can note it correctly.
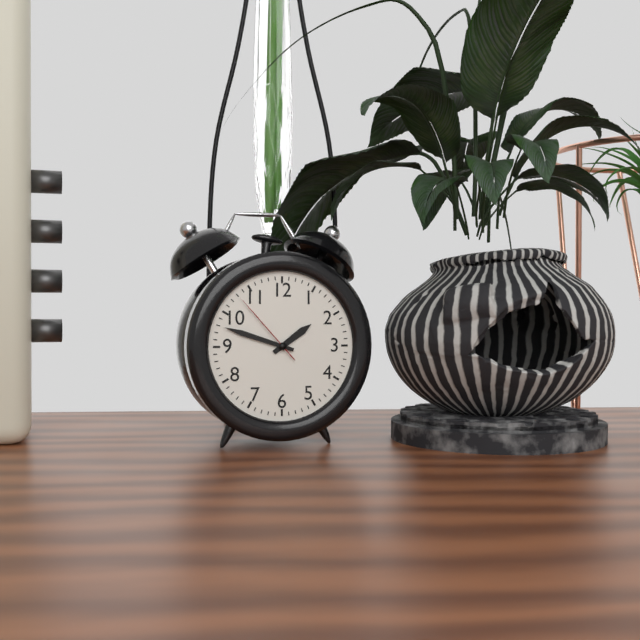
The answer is 1,48,53
